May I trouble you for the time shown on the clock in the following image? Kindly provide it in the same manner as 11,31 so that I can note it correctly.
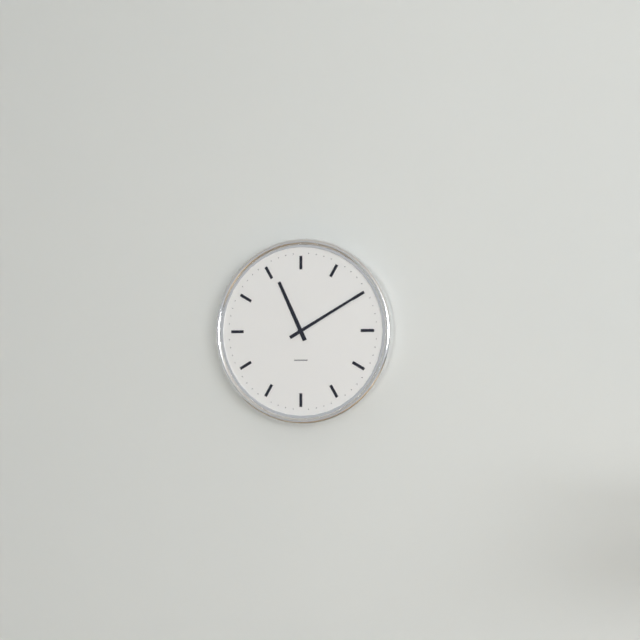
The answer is 11,10
